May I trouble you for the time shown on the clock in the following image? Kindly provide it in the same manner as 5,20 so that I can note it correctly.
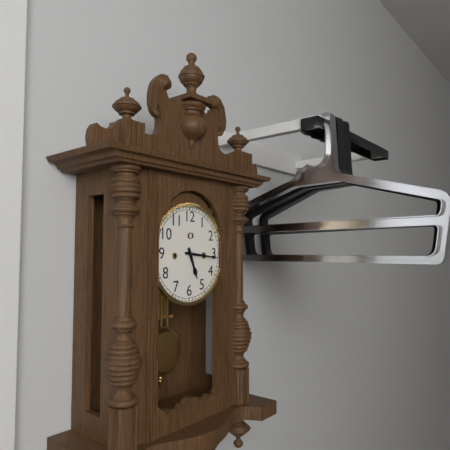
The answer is 5,16
